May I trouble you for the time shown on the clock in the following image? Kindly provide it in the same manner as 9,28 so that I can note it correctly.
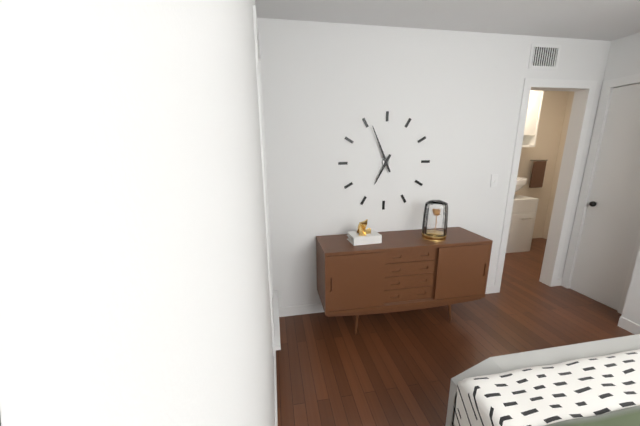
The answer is 6,56
